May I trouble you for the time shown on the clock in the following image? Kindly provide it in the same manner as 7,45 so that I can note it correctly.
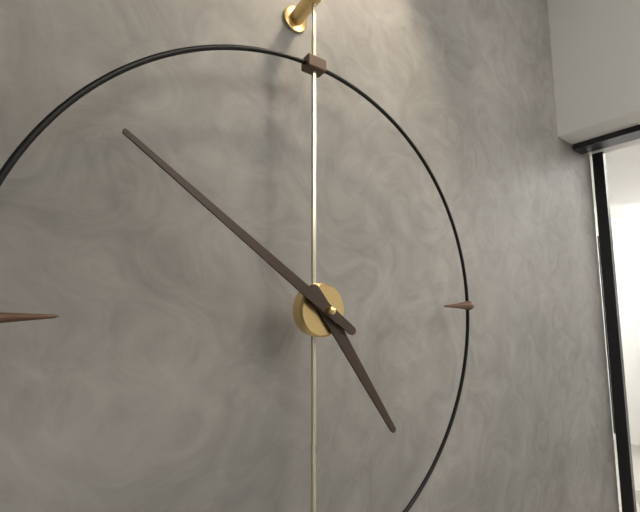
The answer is 4,51
